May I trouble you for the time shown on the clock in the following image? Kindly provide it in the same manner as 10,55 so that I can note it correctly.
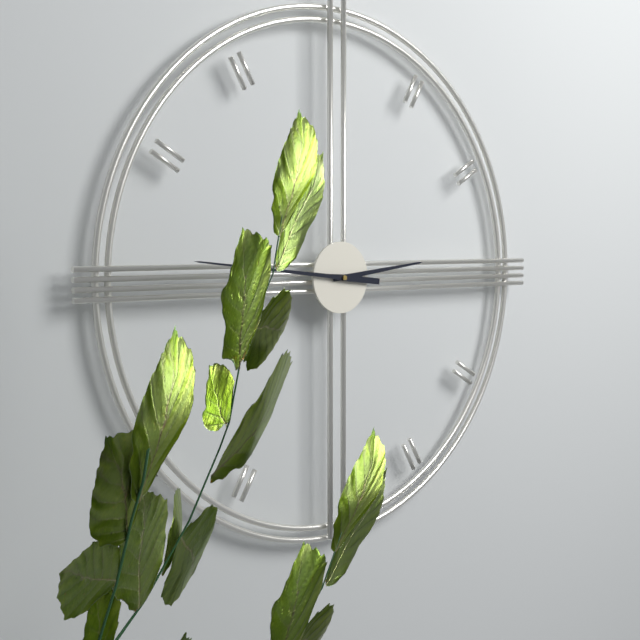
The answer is 2,46
